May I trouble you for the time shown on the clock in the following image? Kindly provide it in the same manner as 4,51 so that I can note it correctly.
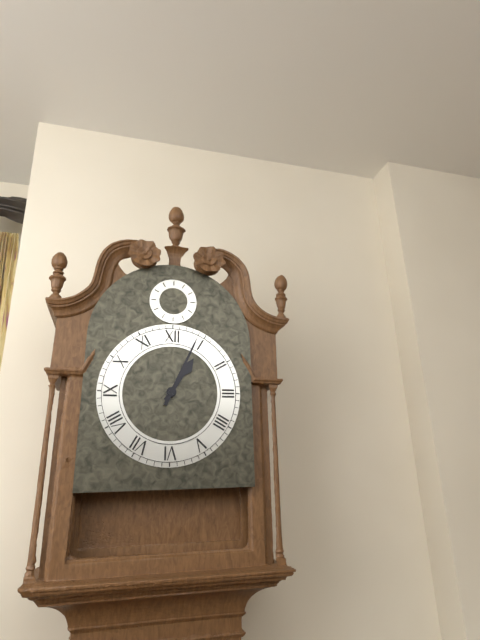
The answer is 1,04
